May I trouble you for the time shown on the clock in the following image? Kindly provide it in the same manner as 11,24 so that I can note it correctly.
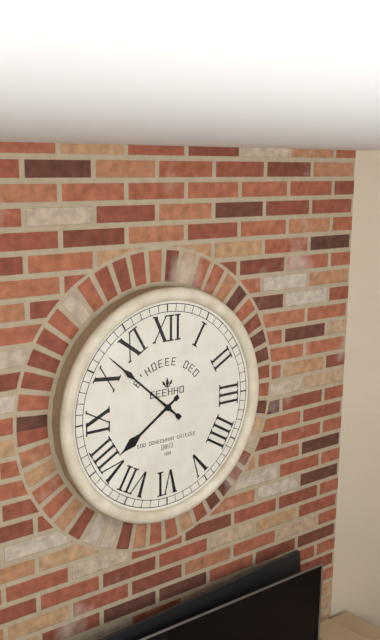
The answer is 7,52
